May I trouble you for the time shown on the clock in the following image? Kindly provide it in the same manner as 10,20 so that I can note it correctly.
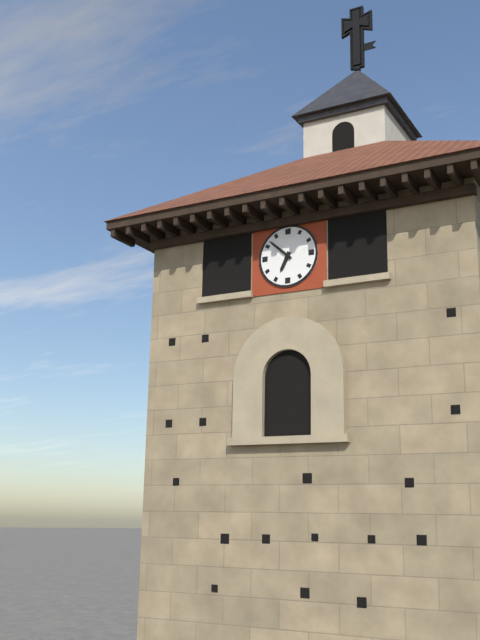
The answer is 6,52
